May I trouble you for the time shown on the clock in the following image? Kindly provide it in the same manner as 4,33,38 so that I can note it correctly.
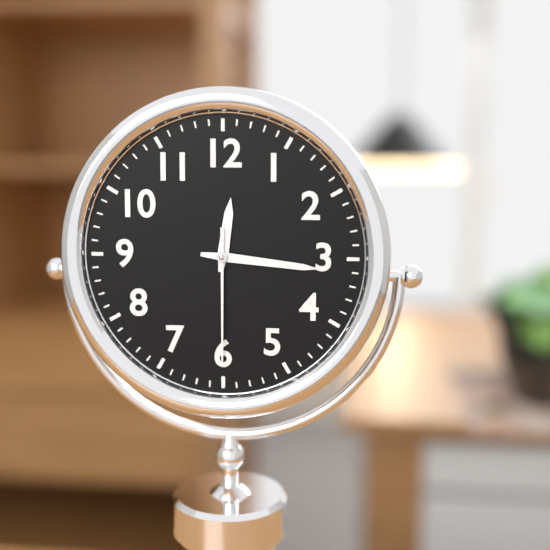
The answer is 12,16,30
